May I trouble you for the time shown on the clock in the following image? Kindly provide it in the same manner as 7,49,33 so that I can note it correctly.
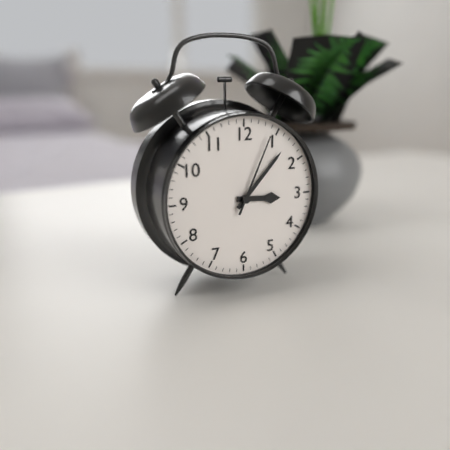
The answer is 3,07,04
